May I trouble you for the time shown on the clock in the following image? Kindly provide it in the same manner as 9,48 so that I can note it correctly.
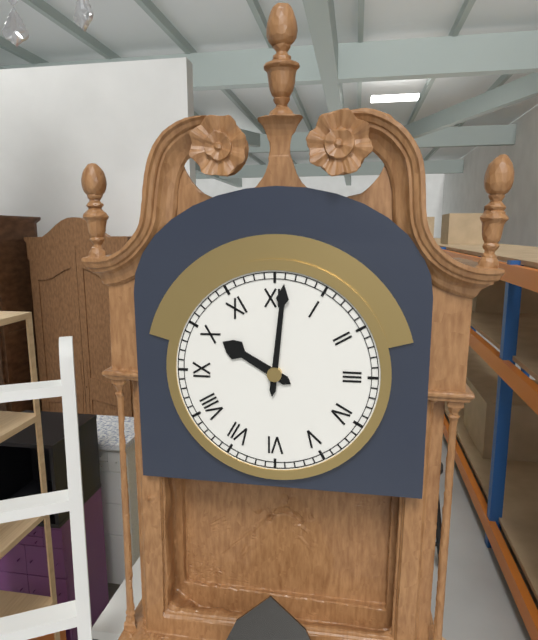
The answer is 10,01
